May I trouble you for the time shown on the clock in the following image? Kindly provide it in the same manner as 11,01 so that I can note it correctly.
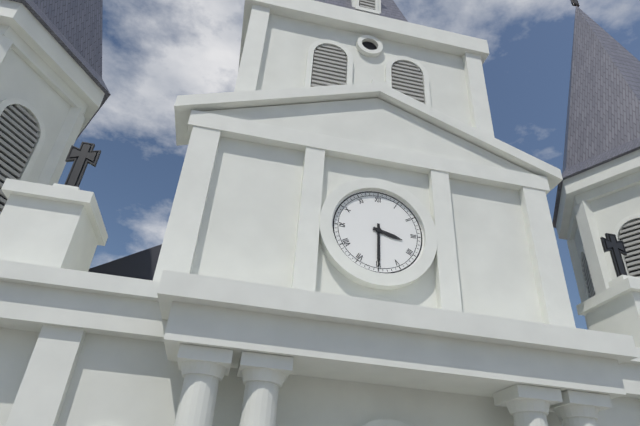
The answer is 3,30
